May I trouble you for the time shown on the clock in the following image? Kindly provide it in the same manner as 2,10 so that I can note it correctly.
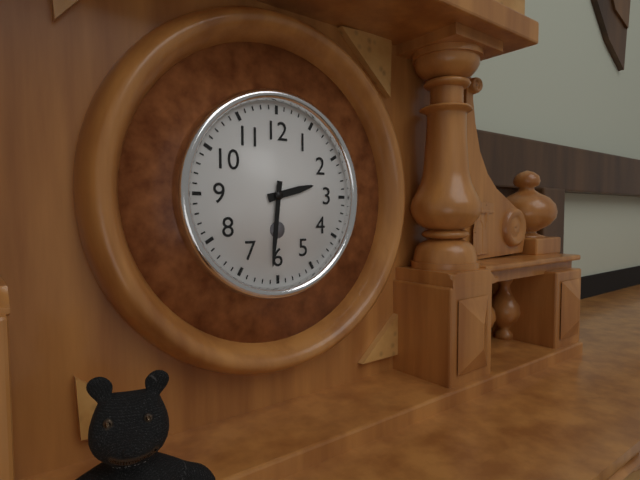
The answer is 2,31
